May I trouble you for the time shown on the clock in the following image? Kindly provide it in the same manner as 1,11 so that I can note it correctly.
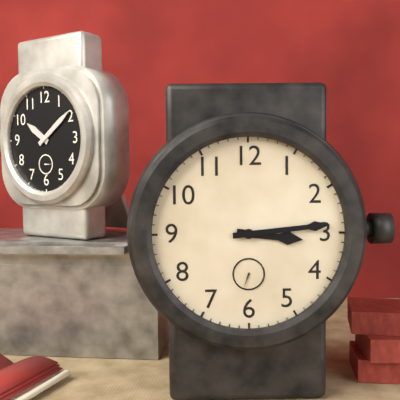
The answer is 3,14
